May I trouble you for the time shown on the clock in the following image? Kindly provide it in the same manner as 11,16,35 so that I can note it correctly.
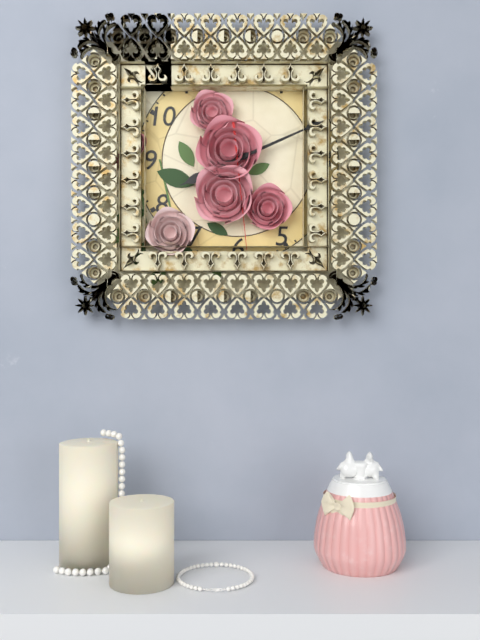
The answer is 8,11,29
